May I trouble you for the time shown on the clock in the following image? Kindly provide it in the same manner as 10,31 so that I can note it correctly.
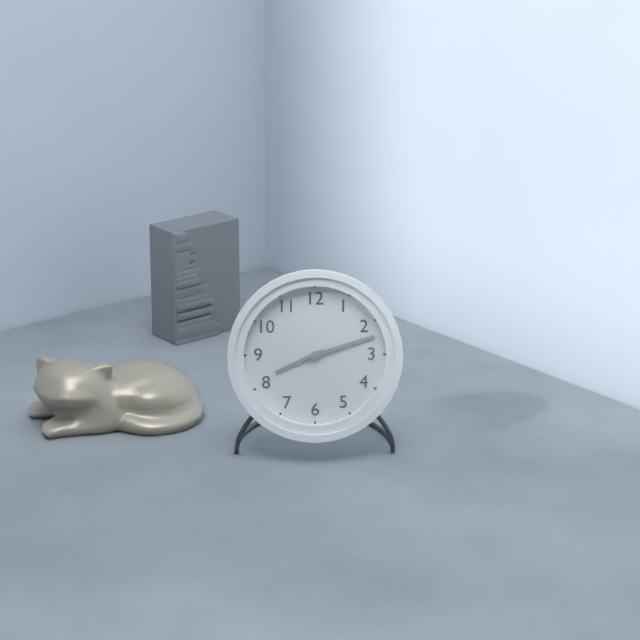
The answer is 8,12
